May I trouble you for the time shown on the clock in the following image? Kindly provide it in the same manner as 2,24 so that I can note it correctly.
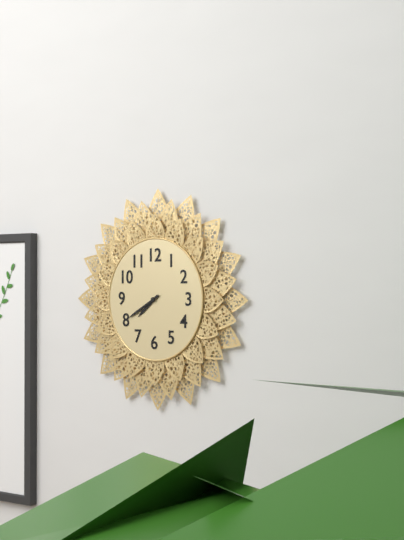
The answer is 7,40
